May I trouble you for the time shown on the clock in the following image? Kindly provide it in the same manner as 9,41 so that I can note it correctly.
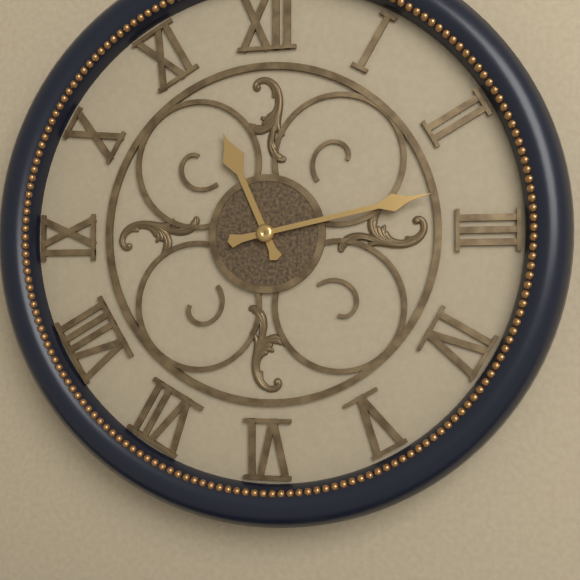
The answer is 11,13
